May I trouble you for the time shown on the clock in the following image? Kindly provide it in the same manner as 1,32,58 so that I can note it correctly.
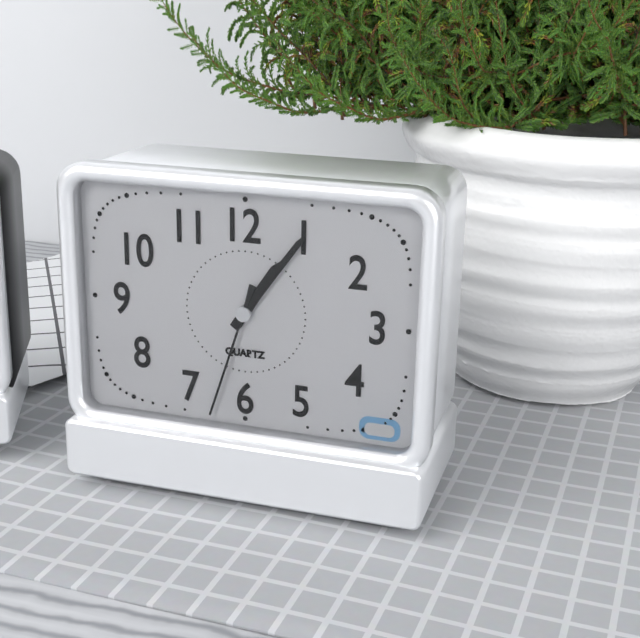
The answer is 1,06,33
